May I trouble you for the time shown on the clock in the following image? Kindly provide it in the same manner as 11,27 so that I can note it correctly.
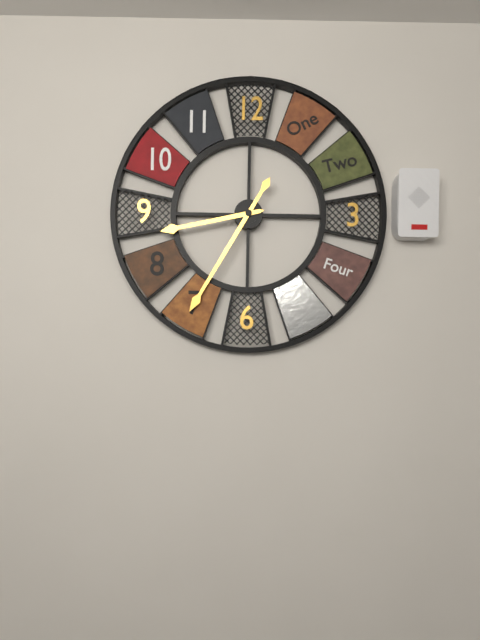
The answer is 8,35
